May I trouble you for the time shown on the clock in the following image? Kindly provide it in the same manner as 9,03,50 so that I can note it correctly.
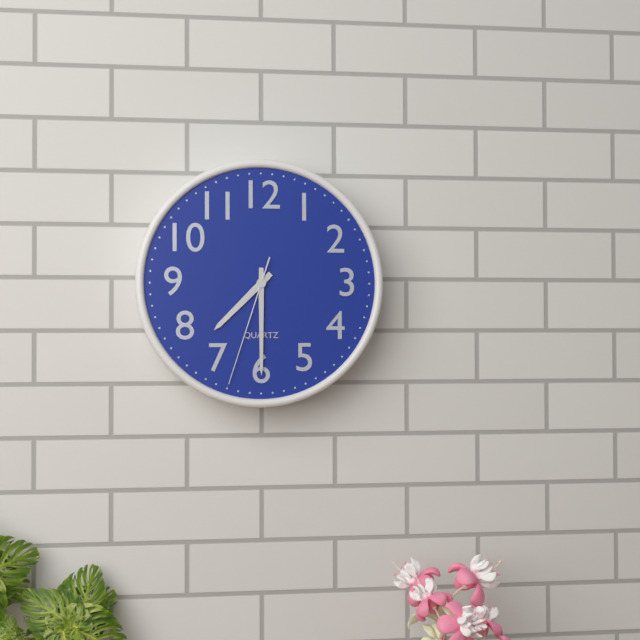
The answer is 7,30,33
